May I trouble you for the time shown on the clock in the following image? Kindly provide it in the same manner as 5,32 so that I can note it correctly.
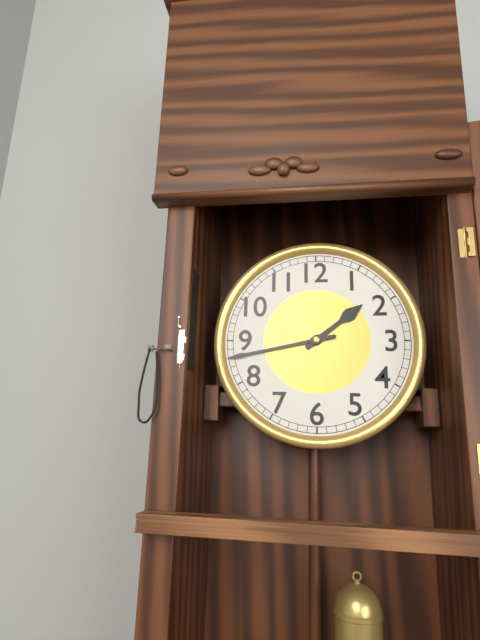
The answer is 1,43
